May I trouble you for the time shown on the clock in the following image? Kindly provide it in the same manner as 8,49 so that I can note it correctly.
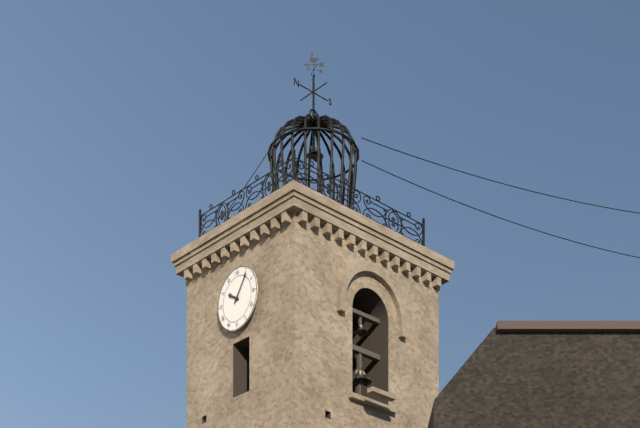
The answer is 10,06
